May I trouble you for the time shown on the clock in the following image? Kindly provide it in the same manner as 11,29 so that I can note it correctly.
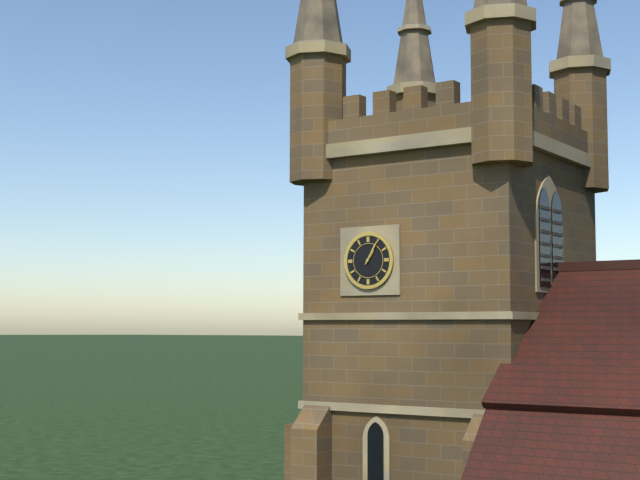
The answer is 1,05
